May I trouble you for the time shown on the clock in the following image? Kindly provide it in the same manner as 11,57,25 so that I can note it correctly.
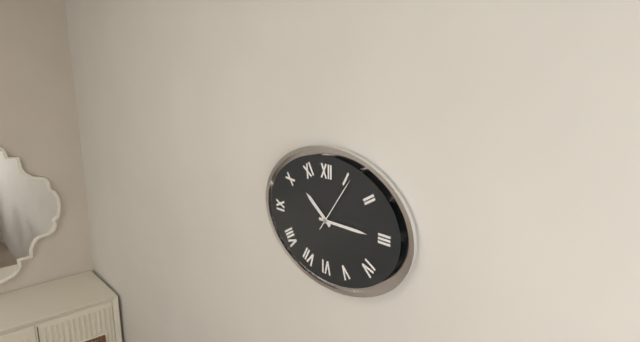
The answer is 10,15,06
